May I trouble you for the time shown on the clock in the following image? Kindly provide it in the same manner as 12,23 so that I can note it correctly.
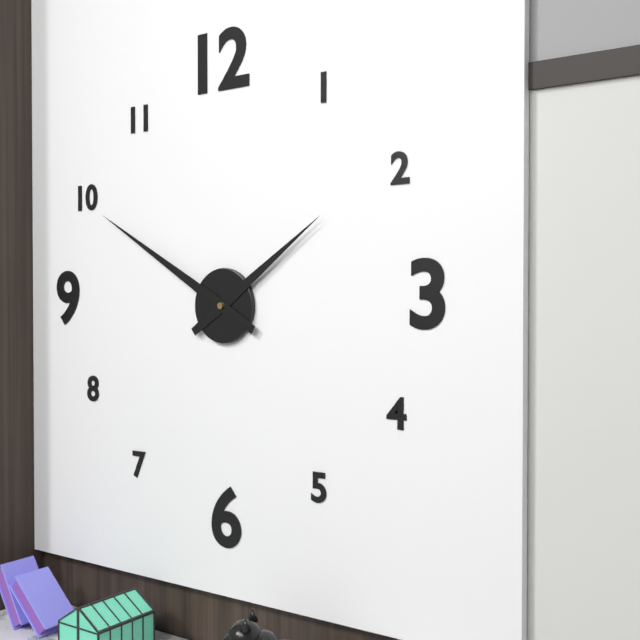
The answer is 1,50
